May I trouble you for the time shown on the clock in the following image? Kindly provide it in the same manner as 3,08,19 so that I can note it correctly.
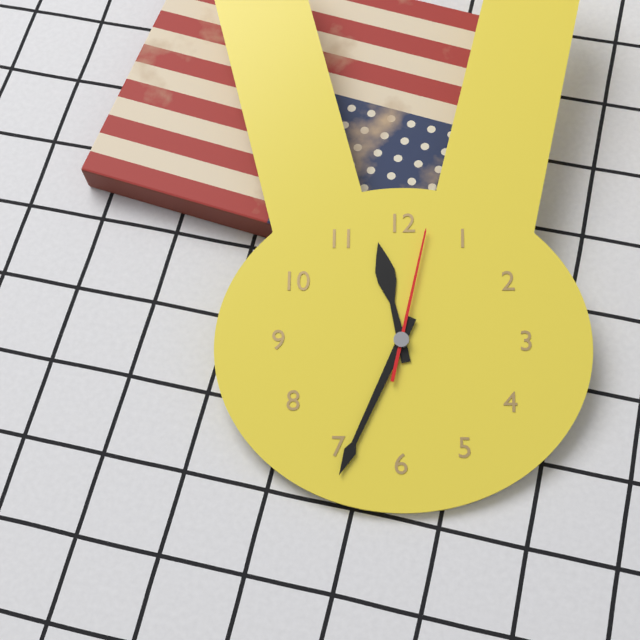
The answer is 11,34,02
